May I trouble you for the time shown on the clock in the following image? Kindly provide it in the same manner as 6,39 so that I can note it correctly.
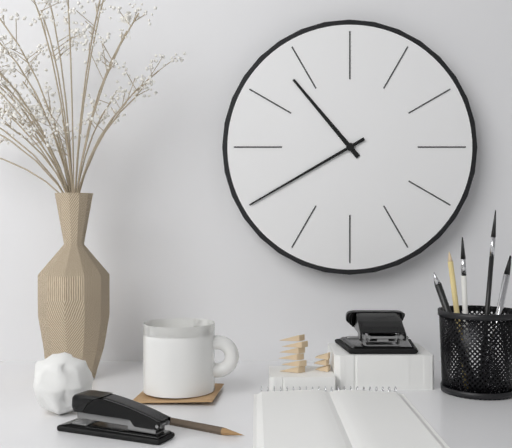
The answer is 10,40
